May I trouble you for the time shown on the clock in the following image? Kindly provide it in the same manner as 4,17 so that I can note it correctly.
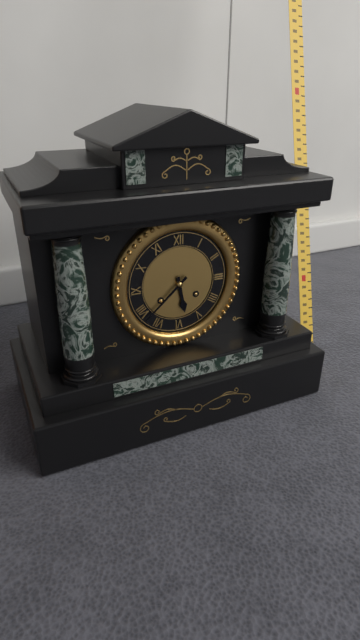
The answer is 5,38
